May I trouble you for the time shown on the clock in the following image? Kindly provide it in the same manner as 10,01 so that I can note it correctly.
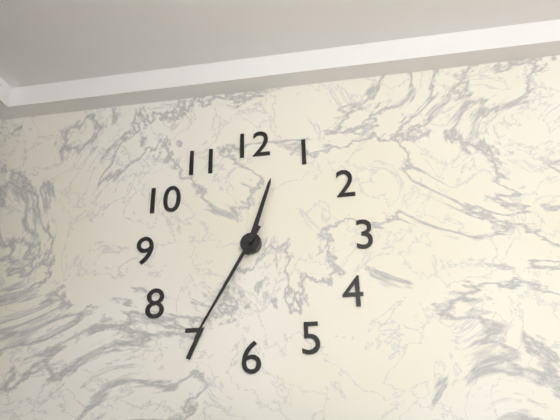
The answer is 12,35
